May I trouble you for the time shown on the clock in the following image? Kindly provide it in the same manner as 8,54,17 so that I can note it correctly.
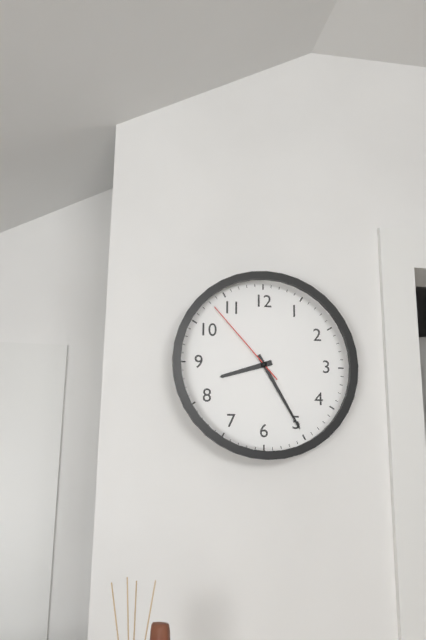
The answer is 8,25,53
